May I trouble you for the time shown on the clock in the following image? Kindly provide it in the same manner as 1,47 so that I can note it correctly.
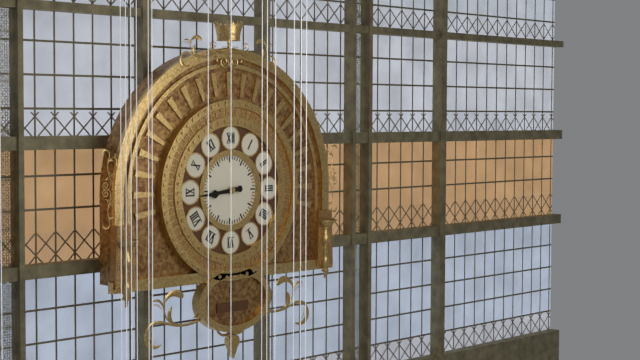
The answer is 8,44
